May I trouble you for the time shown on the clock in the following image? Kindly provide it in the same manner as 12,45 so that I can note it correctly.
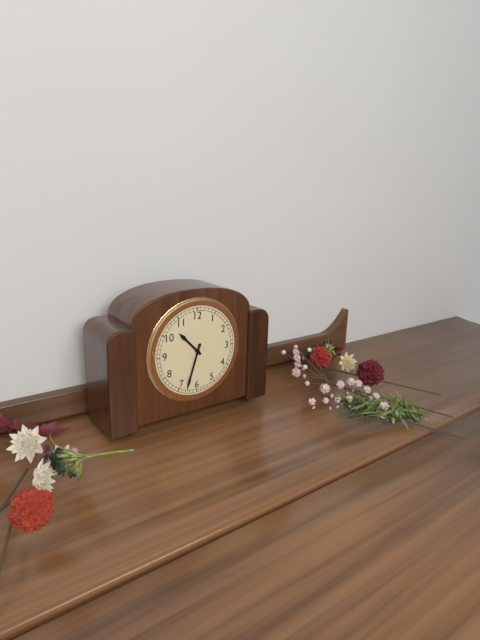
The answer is 10,33
